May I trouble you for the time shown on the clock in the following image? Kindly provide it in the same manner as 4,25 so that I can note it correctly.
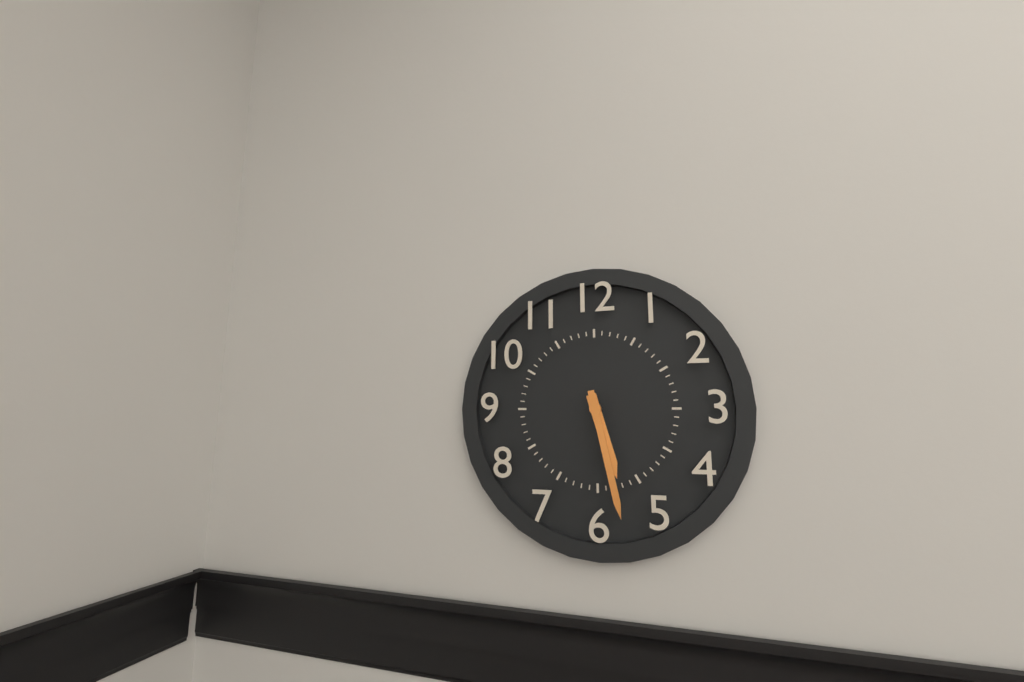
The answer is 5,28
